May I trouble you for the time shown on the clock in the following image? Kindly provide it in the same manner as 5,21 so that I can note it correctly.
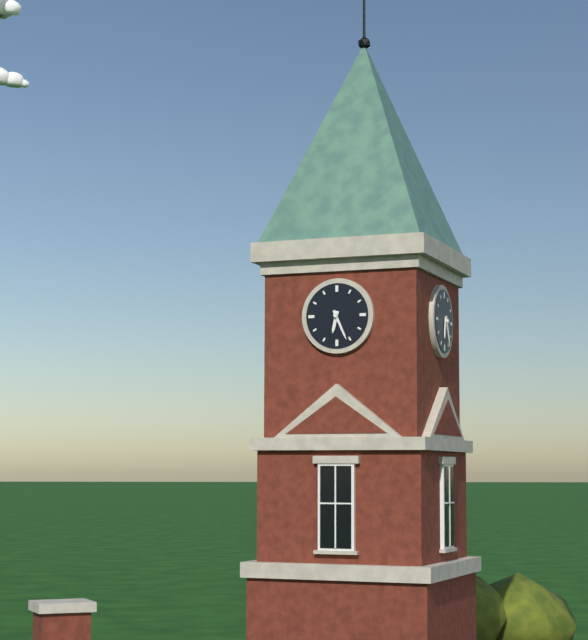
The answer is 6,26
